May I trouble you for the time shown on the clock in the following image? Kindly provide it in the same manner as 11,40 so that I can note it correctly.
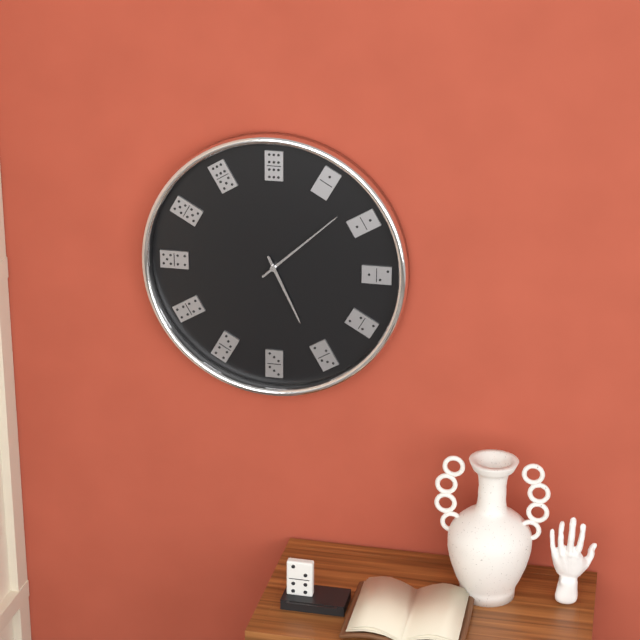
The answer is 5,08
